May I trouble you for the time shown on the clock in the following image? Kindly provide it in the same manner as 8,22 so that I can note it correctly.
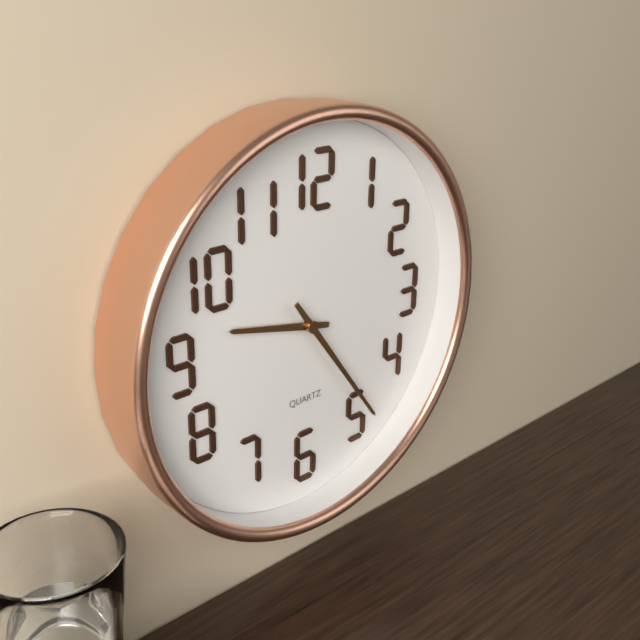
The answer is 9,24
